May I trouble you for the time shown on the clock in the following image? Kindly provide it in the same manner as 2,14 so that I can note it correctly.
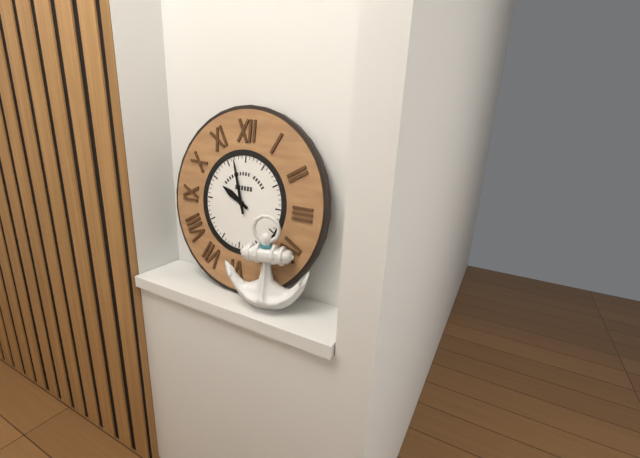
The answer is 9,57
